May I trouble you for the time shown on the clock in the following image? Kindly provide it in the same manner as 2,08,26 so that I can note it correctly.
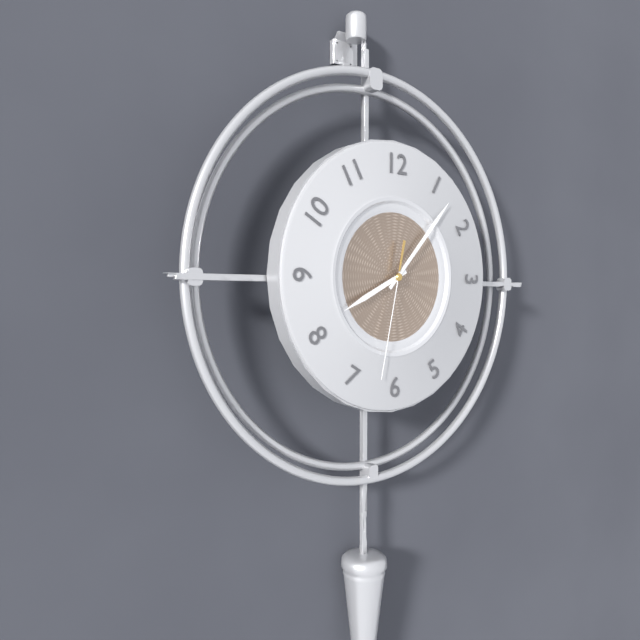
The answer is 8,07,32
